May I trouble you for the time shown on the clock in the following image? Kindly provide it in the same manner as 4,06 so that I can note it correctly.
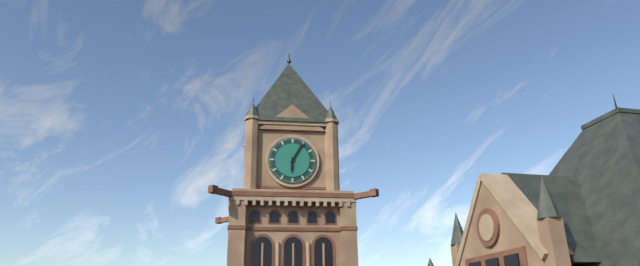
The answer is 6,05
